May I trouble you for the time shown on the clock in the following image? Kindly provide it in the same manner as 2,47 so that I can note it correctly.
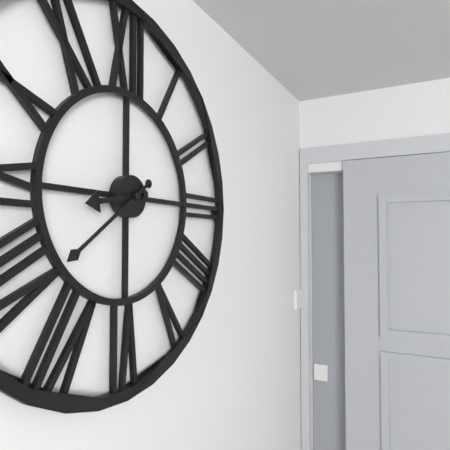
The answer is 8,39
